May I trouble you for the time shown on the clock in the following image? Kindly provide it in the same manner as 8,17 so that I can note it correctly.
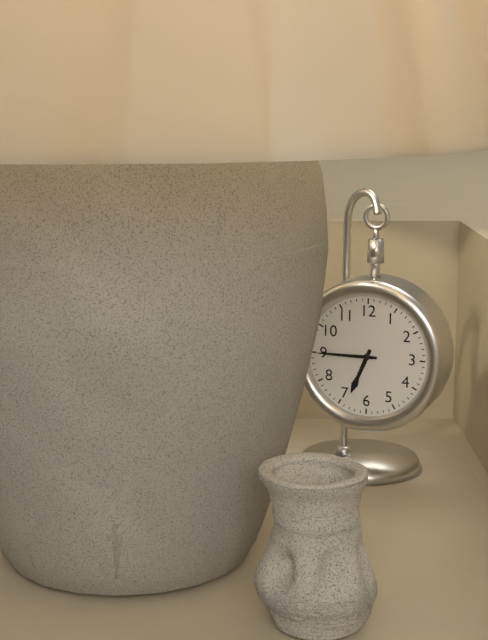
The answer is 6,45
